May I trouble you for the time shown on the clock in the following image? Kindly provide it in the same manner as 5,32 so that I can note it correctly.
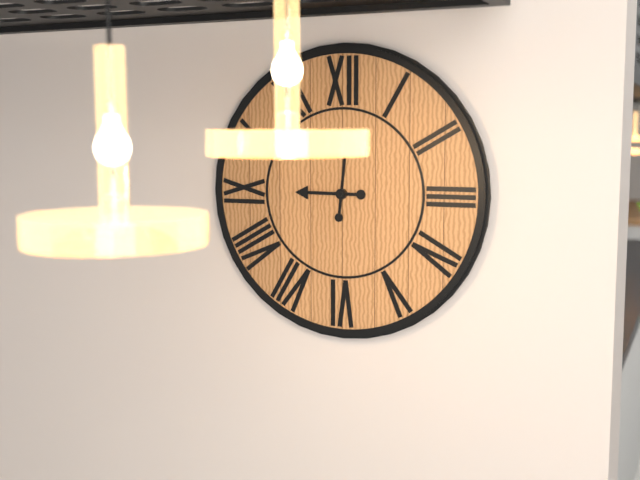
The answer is 9,01
